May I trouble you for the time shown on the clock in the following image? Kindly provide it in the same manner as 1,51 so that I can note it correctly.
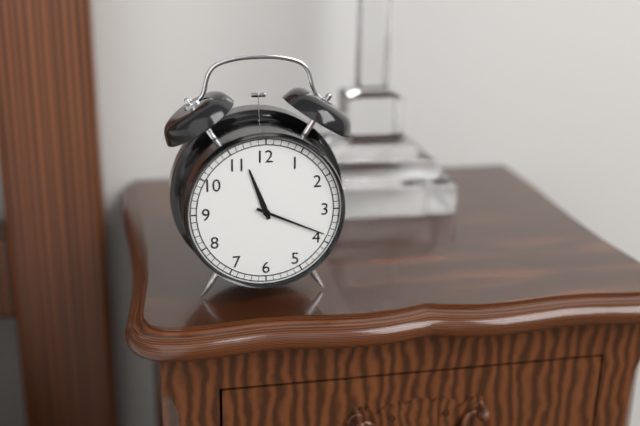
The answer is 11,19
